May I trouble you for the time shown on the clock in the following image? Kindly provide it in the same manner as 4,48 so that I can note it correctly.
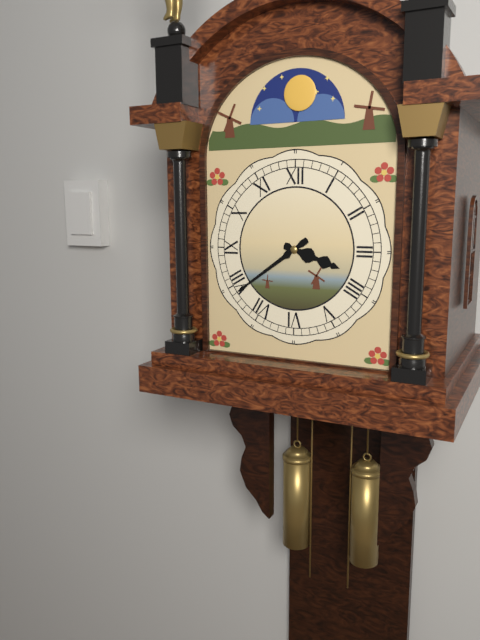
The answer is 3,39
